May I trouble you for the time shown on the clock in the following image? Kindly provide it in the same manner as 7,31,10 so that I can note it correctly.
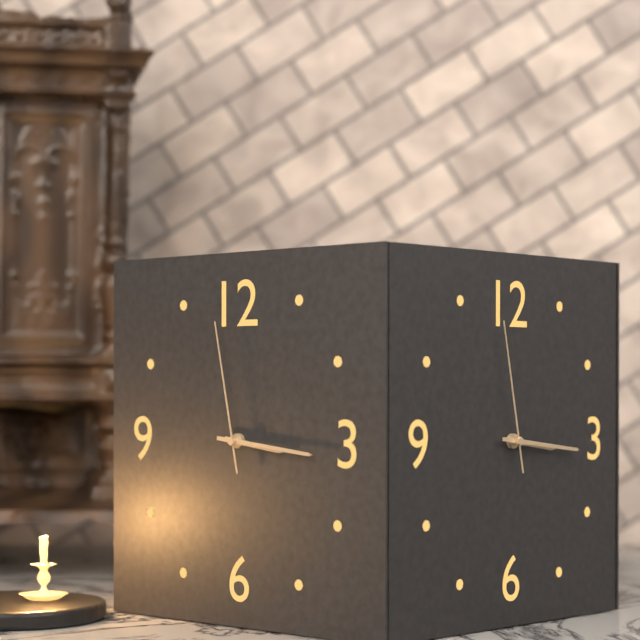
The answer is 3,16,58
